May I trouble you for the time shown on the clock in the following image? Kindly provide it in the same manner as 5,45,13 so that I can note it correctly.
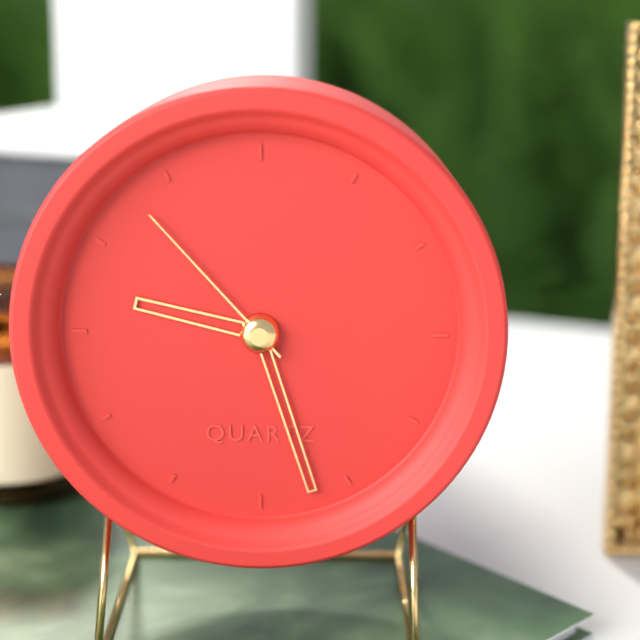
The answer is 9,27,53
